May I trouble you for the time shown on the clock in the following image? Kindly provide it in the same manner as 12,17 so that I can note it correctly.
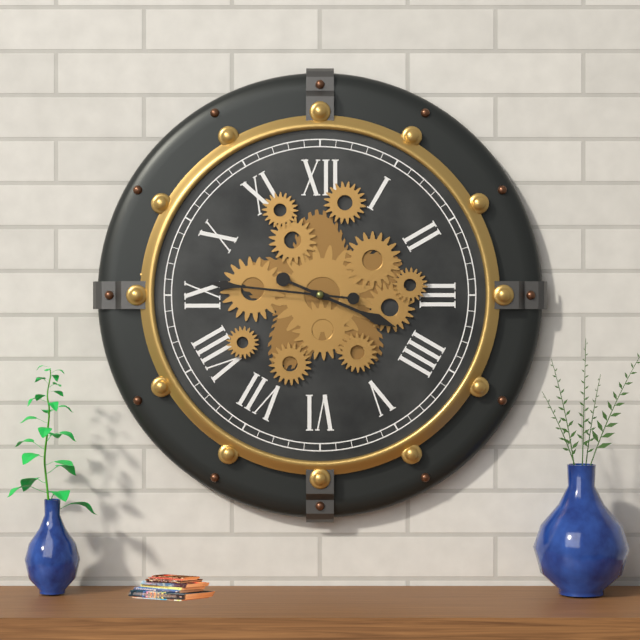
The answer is 3,46
